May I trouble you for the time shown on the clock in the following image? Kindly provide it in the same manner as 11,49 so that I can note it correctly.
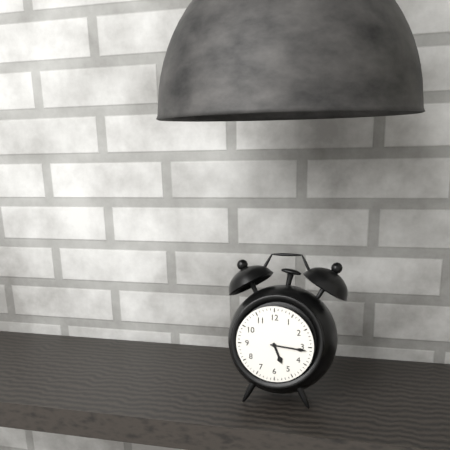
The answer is 5,16
